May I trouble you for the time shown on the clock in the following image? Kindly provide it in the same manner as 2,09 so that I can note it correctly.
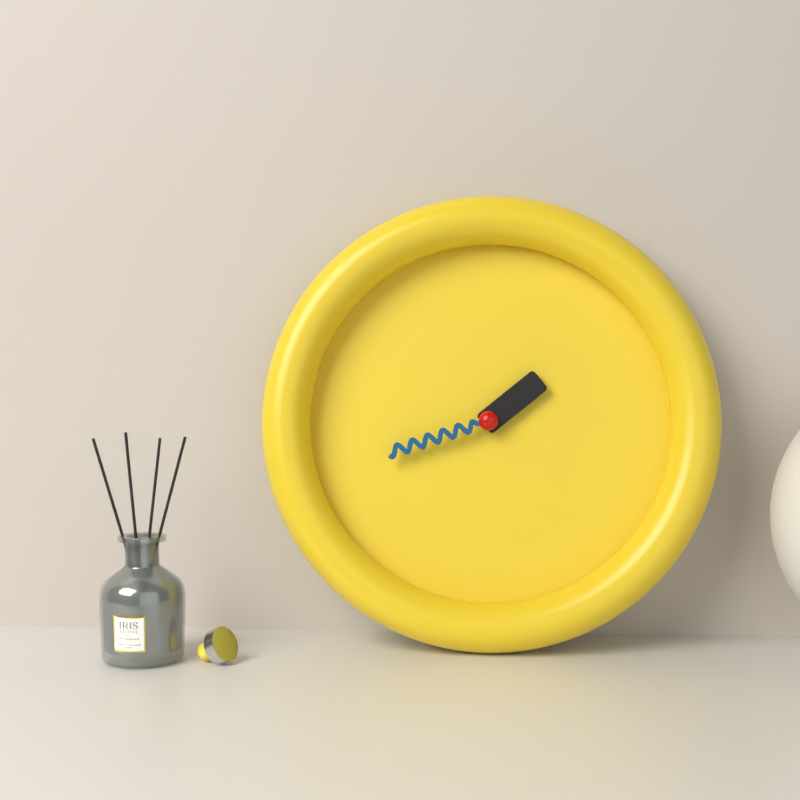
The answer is 1,42
